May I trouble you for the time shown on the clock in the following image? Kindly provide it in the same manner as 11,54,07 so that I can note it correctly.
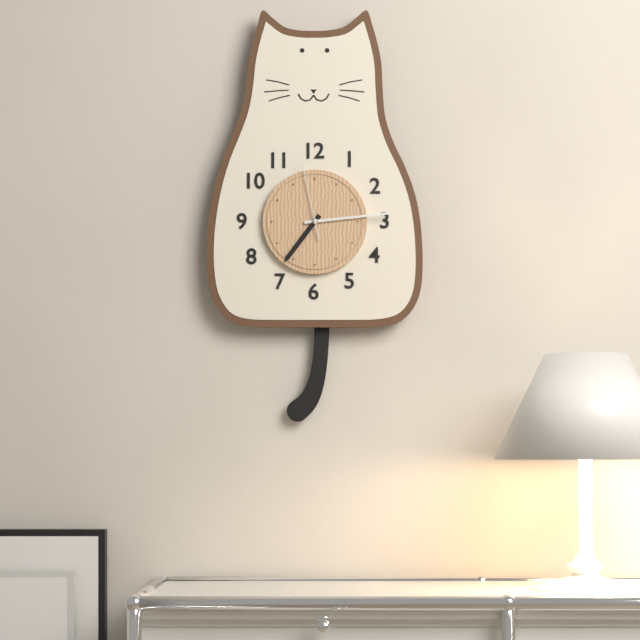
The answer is 7,14,58
